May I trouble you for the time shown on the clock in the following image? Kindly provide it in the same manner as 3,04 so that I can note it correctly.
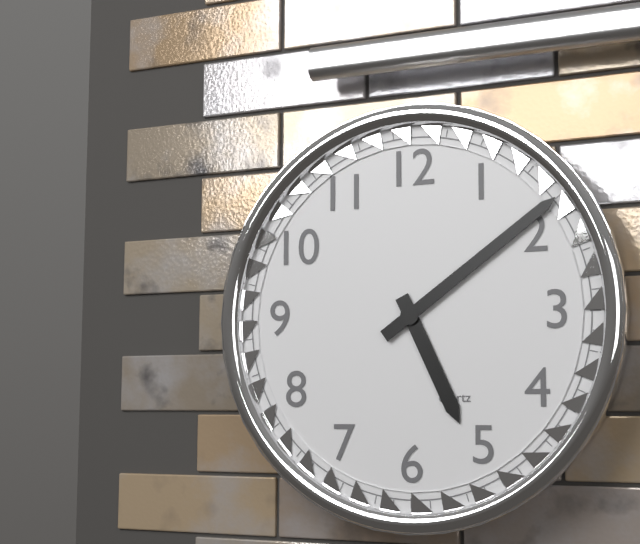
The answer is 5,09
